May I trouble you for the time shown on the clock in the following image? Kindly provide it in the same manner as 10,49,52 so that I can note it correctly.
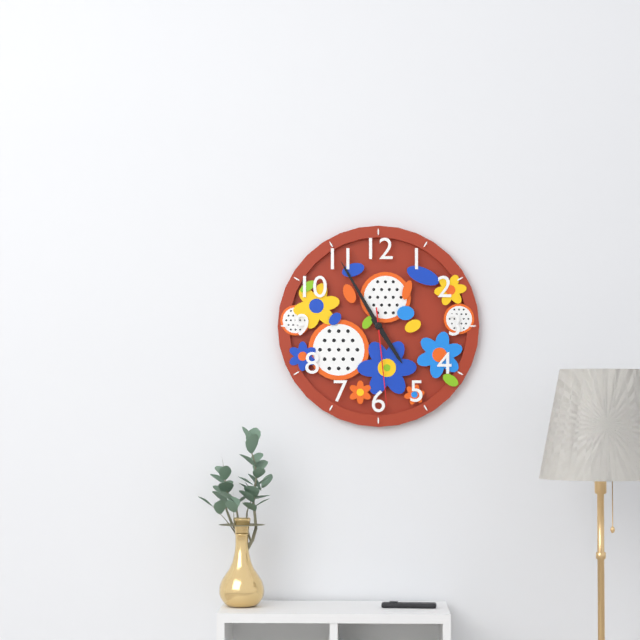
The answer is 4,55,29
